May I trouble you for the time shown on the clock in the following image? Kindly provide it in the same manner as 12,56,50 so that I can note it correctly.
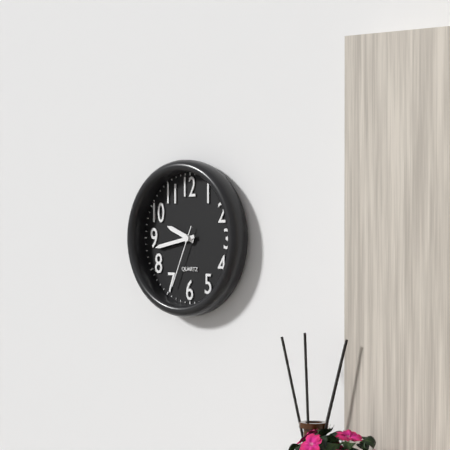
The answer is 9,43,34
